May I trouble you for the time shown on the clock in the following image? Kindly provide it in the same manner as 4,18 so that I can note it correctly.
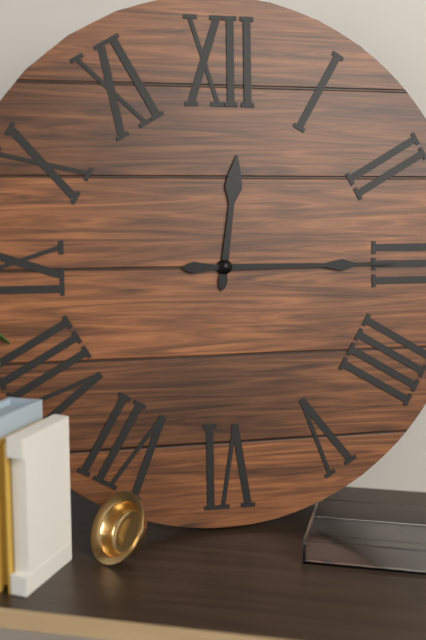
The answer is 12,15
